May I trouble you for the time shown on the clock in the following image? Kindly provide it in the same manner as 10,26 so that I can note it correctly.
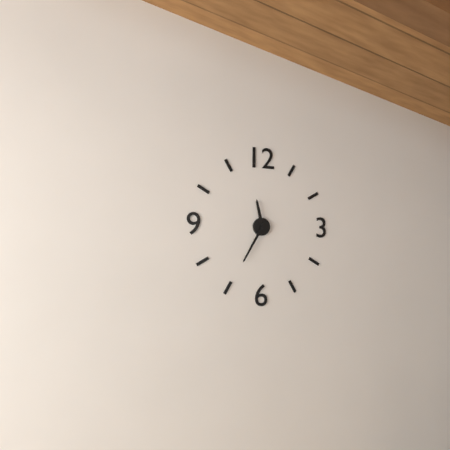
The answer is 11,35
